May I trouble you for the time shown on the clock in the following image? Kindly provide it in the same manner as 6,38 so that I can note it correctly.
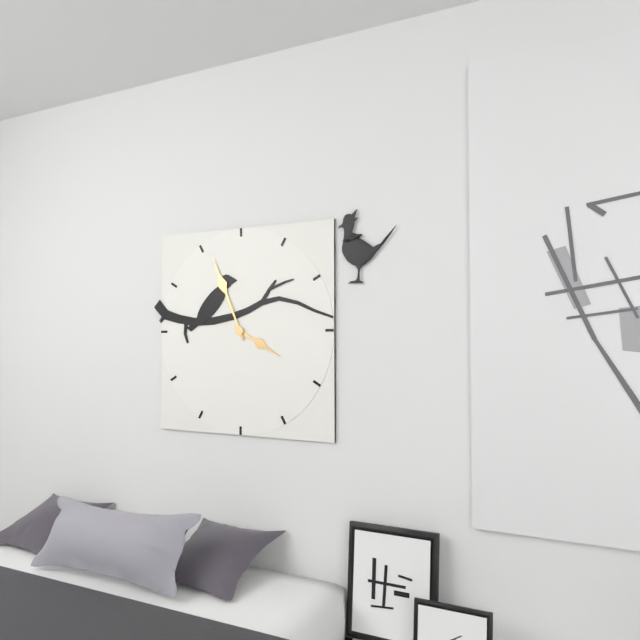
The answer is 3,56
